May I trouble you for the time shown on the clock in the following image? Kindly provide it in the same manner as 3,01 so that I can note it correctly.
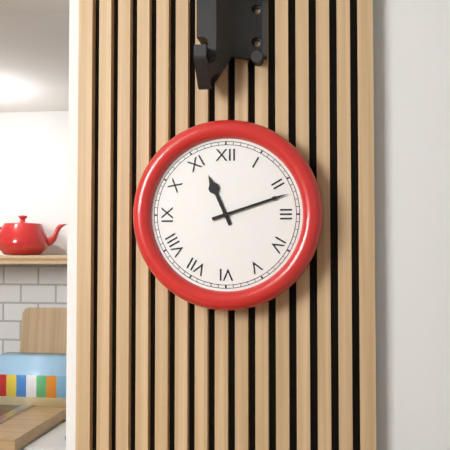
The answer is 11,12
